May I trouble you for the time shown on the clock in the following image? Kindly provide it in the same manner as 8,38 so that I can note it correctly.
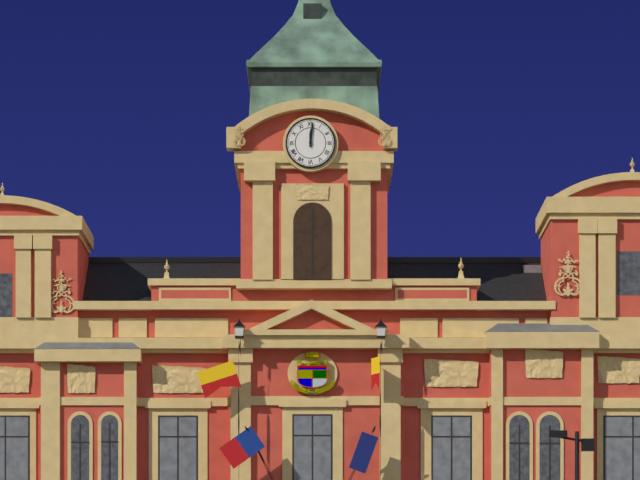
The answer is 12,01
